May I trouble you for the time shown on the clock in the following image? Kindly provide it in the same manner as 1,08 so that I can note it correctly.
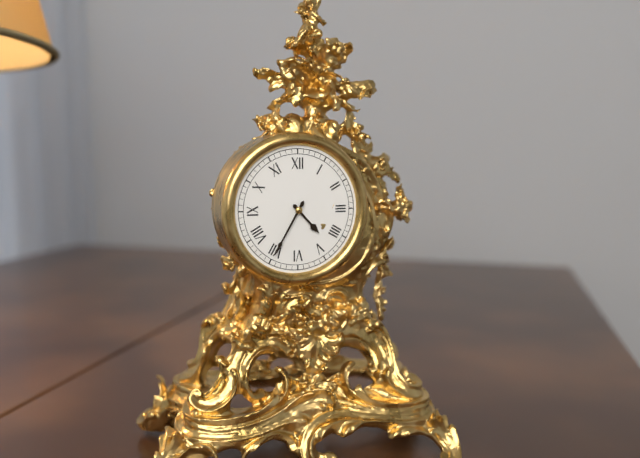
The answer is 4,35
